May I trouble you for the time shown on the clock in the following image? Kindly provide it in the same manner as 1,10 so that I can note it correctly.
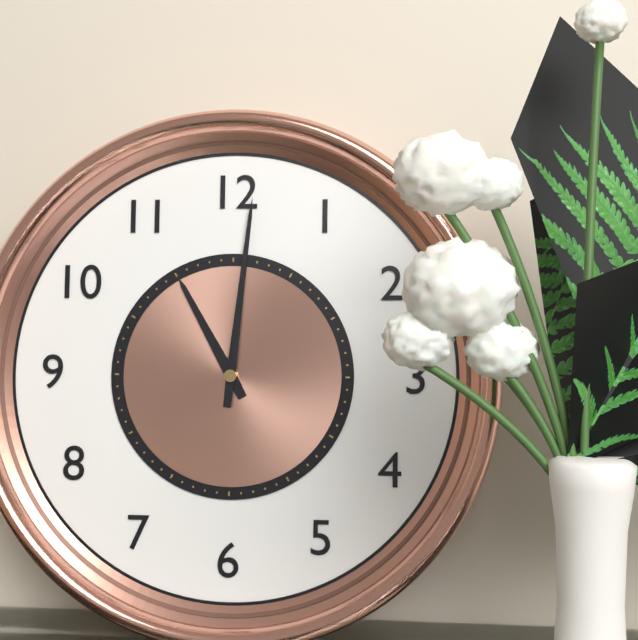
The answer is 11,01
